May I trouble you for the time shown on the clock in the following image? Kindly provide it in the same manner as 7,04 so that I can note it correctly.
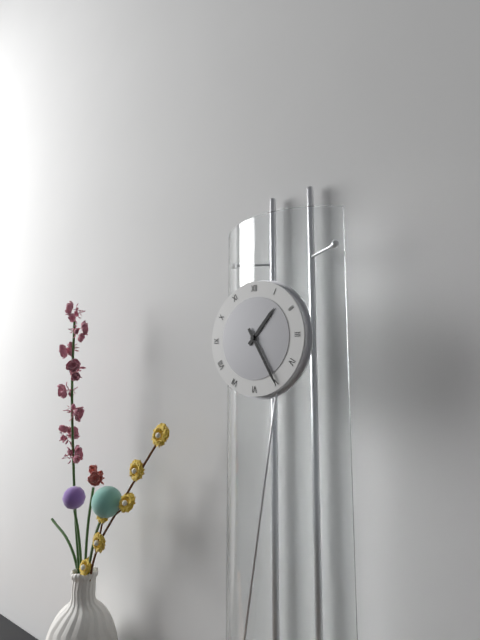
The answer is 1,25
